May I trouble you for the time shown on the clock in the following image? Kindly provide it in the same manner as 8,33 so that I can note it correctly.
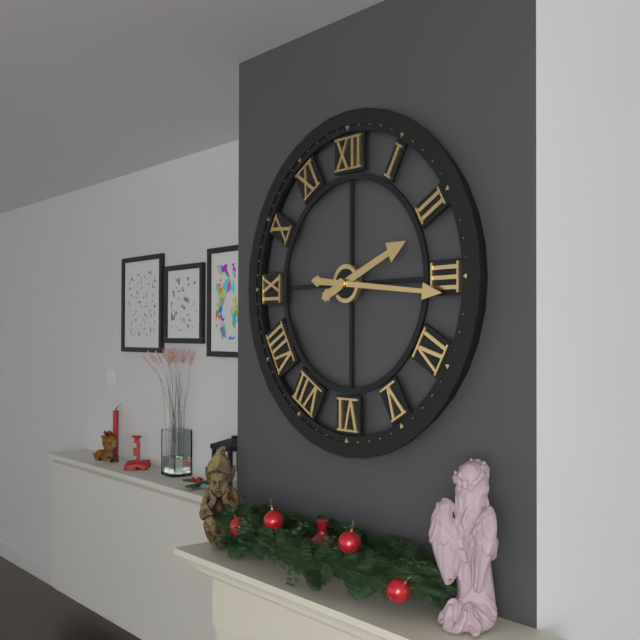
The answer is 2,16
